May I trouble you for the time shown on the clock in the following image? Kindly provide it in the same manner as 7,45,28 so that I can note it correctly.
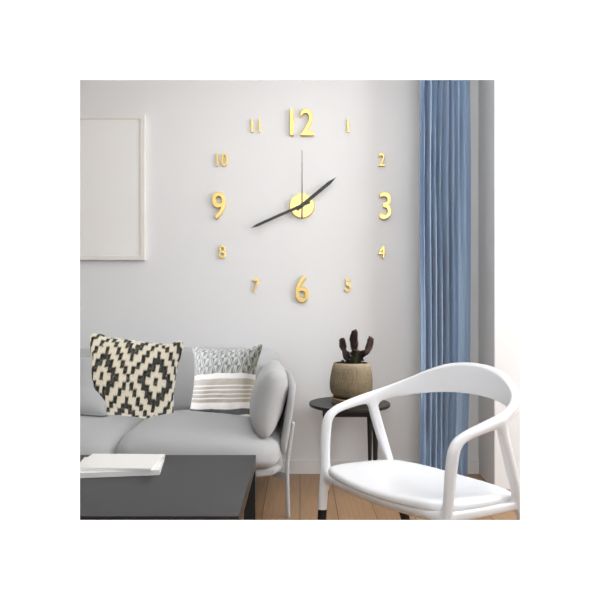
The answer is 1,41,00
